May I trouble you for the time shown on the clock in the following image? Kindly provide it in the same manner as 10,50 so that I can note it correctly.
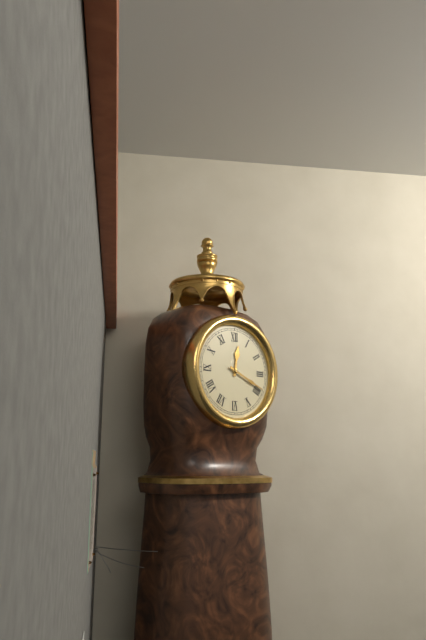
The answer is 12,19
